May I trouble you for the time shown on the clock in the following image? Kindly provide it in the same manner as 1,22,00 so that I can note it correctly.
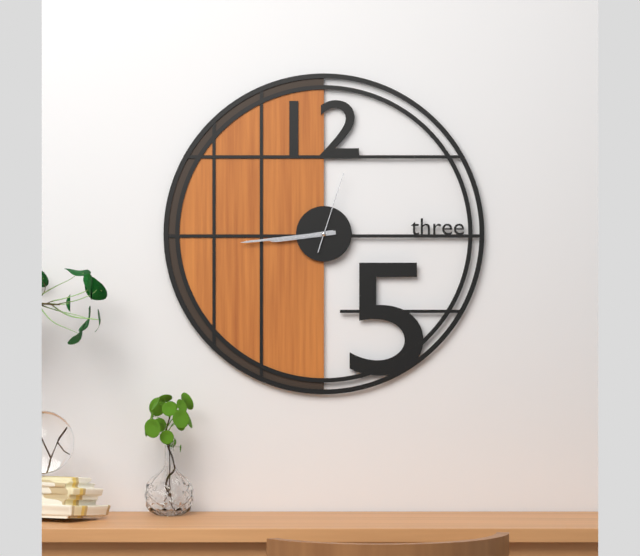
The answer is 8,44,03
